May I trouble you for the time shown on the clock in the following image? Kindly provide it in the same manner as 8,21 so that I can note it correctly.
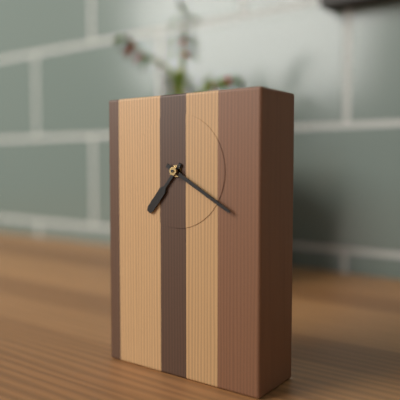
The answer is 7,20
